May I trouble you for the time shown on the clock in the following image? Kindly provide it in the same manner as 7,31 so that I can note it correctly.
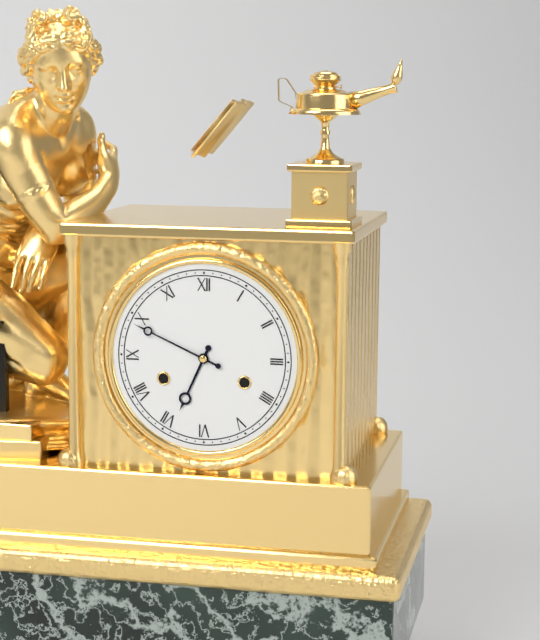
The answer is 6,49
